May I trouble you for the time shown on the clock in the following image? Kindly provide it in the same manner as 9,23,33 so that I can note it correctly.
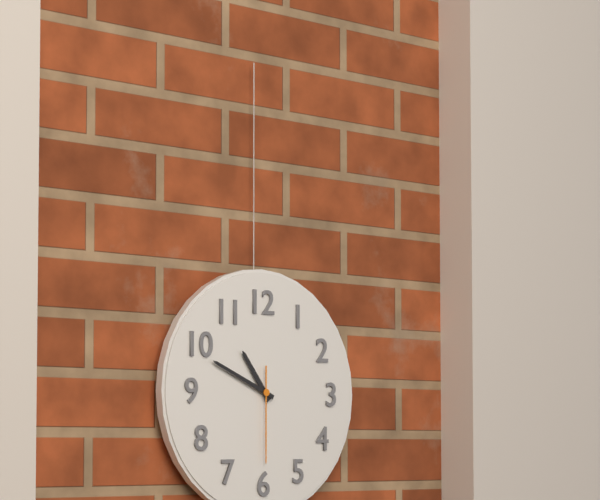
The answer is 10,49,30
